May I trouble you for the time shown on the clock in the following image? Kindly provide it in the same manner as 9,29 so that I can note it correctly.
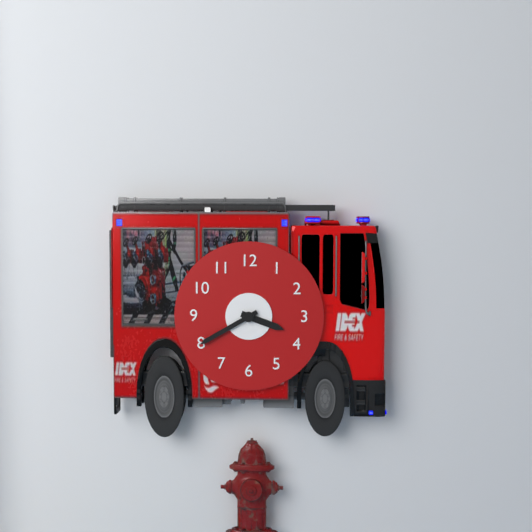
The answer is 3,40
